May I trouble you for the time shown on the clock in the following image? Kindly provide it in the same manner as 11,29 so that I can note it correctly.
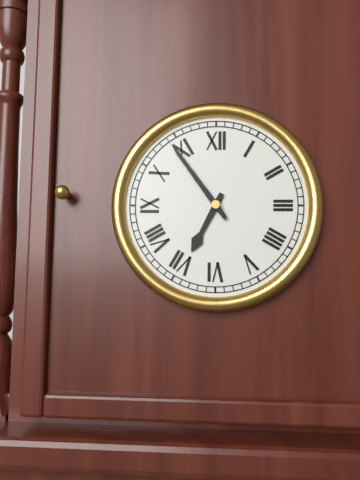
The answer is 6,54
